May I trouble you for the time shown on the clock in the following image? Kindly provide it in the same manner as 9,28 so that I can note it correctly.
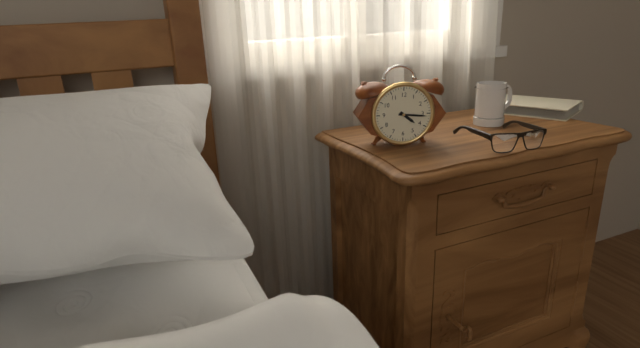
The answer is 4,16
